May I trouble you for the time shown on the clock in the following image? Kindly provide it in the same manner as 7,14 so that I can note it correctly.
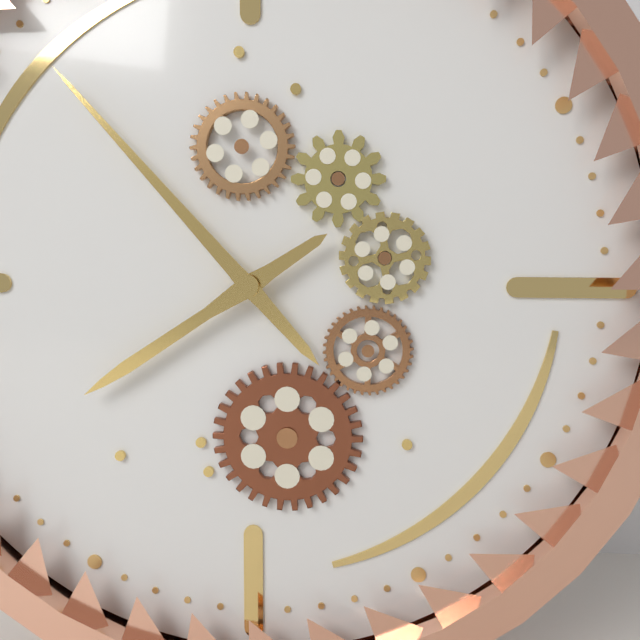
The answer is 7,53
